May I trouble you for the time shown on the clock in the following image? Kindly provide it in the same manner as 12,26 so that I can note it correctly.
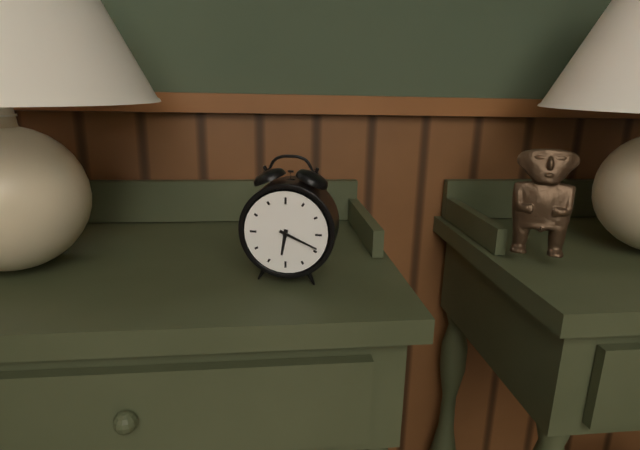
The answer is 6,19
